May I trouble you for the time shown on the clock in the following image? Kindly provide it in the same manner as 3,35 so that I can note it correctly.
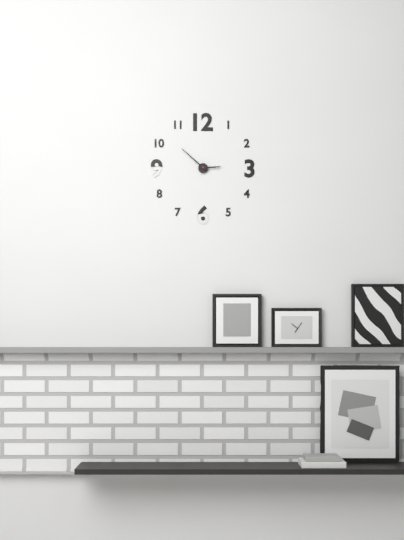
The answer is 2,52
